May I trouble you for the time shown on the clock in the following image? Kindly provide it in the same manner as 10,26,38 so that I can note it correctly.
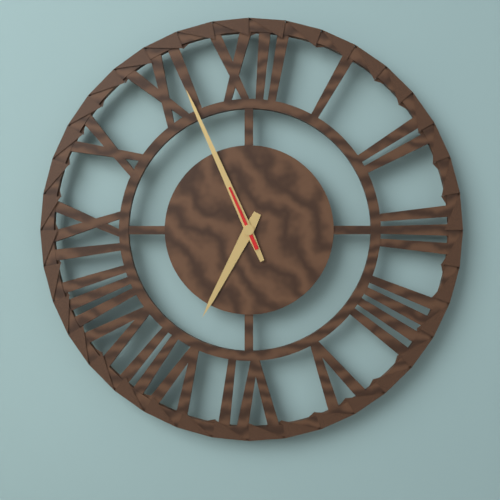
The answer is 6,56,56
